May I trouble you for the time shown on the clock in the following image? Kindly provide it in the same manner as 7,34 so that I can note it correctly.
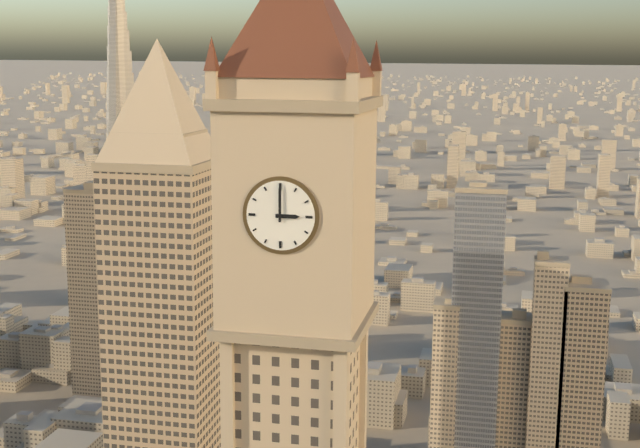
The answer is 3,00
